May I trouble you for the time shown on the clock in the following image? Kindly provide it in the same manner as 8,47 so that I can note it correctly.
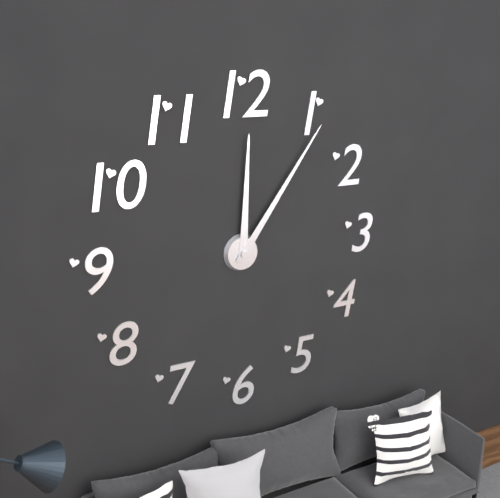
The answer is 12,06
